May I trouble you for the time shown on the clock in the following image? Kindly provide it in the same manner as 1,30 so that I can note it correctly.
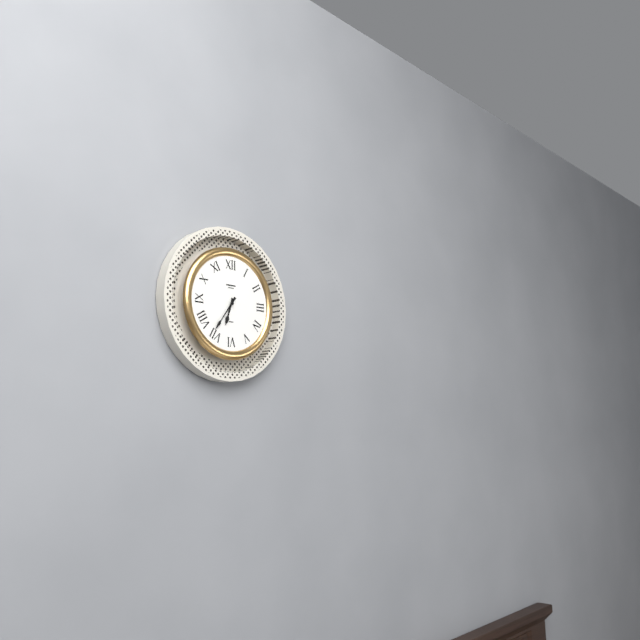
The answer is 6,36
